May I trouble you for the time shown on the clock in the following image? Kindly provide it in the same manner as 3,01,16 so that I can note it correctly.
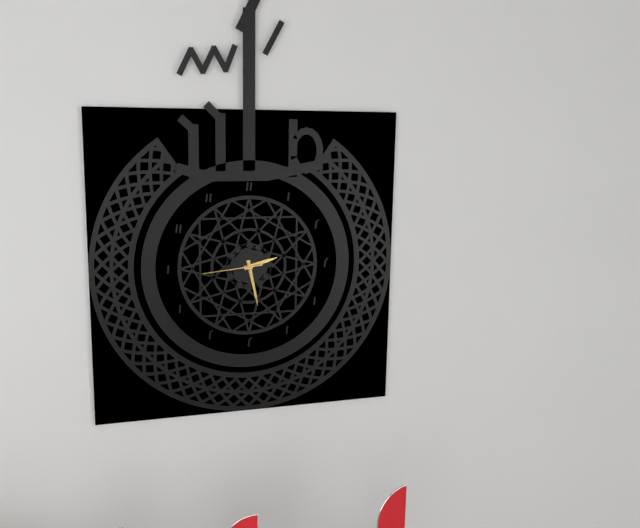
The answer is 2,28,44
